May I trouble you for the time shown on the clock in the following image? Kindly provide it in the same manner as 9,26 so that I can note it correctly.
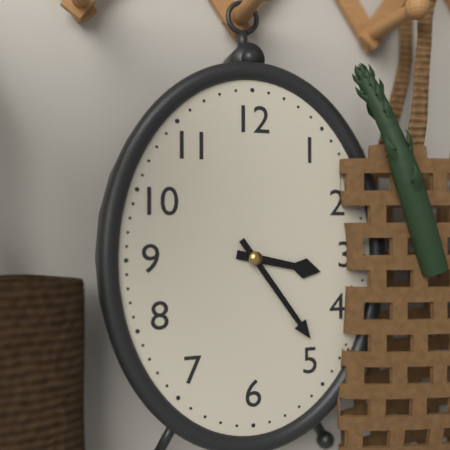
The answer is 3,24
